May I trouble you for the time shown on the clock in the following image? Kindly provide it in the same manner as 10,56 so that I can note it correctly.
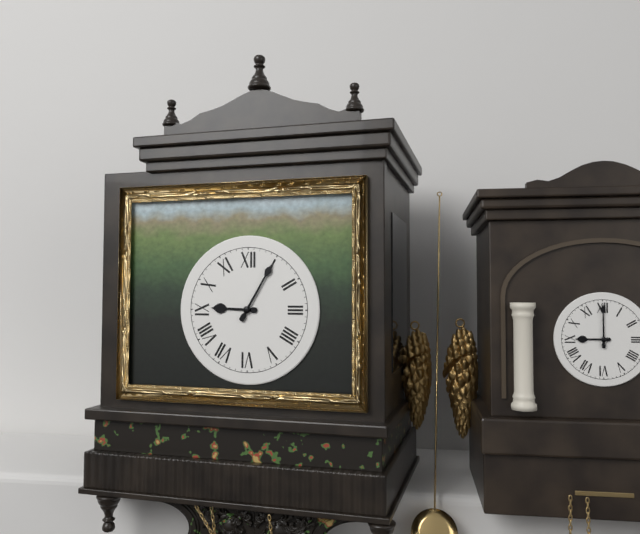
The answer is 9,05
